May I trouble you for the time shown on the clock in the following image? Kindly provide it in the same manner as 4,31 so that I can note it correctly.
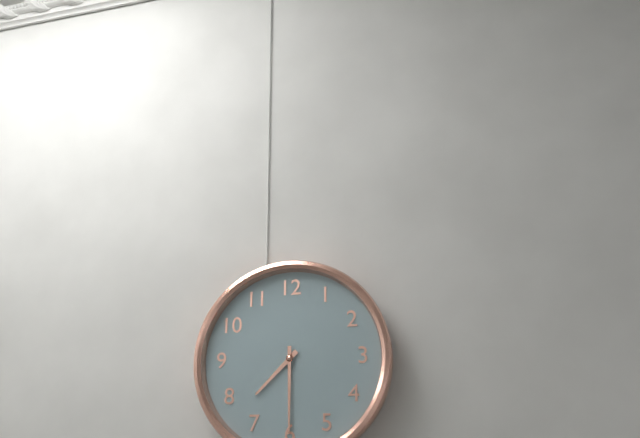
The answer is 7,30
